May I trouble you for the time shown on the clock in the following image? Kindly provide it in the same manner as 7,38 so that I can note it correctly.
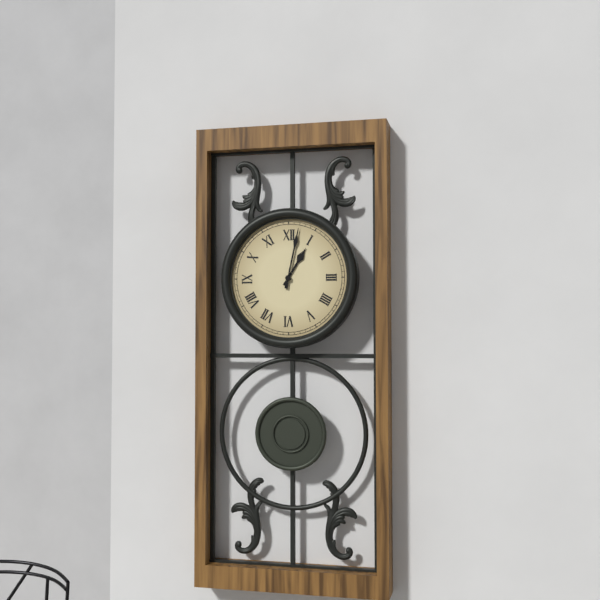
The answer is 1,02
